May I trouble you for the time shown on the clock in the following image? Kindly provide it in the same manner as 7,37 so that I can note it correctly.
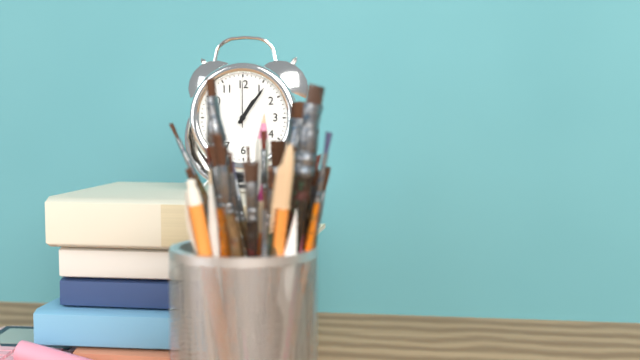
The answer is 1,06
